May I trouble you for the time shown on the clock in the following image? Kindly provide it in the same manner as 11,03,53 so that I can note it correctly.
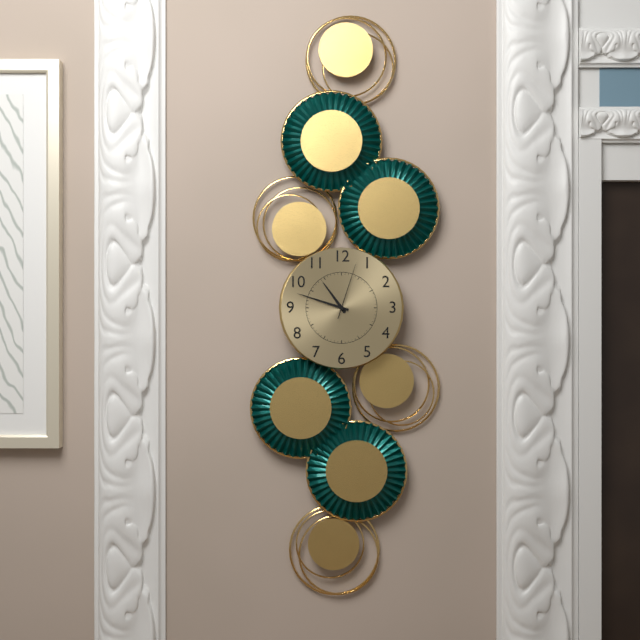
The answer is 10,48,03
